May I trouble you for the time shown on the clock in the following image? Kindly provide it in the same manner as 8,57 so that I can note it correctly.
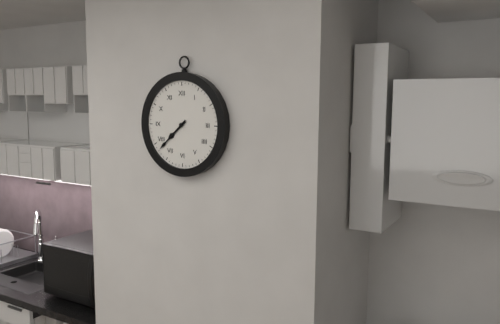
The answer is 7,38
